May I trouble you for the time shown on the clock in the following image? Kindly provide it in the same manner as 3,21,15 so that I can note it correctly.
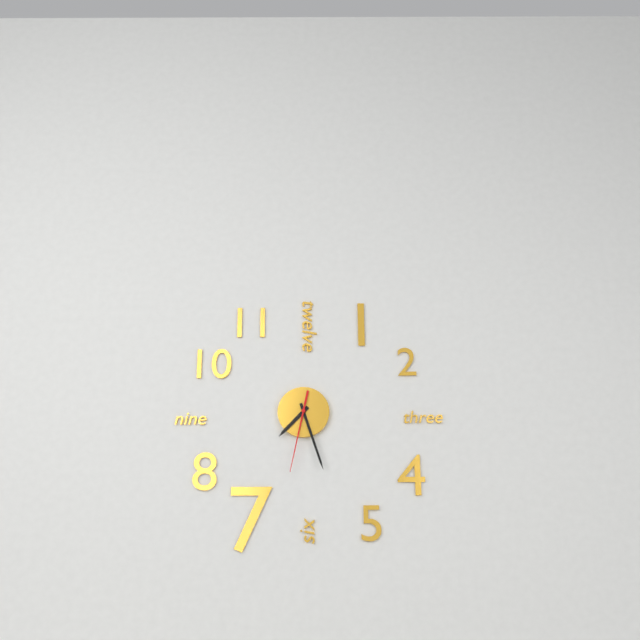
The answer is 7,27,32
